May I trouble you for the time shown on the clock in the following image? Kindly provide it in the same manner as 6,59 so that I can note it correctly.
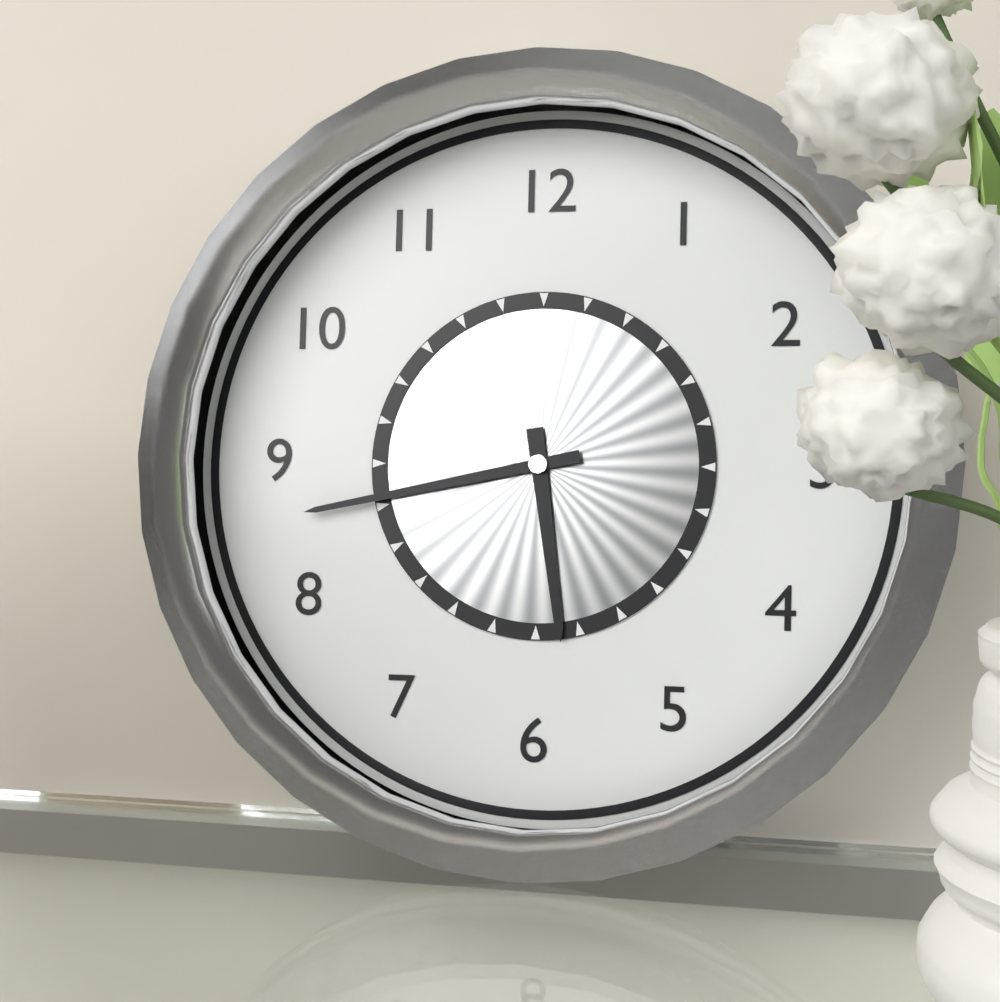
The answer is 5,43
